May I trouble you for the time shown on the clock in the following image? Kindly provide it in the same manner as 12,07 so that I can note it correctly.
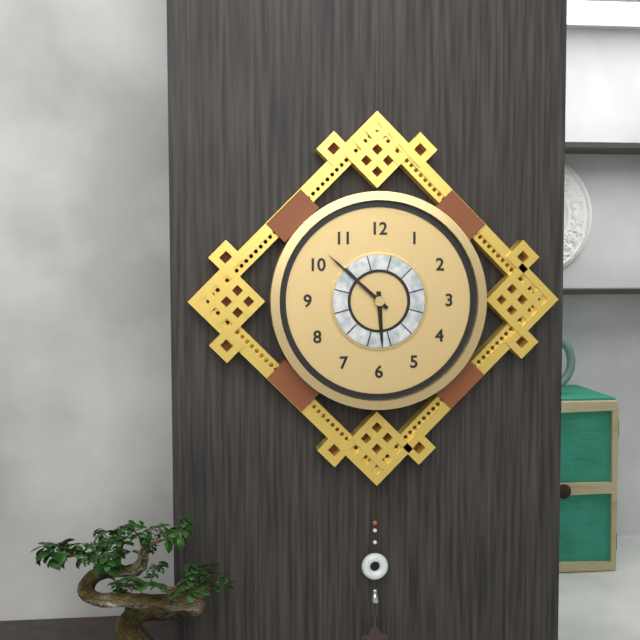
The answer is 5,52
